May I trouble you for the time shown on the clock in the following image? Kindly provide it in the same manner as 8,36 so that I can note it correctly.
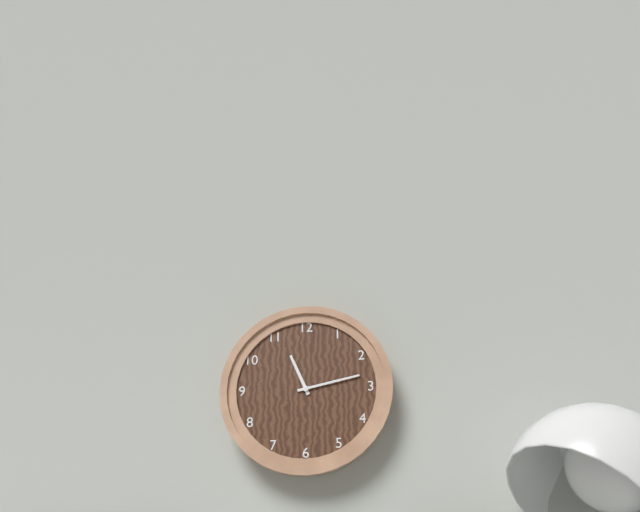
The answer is 11,13
